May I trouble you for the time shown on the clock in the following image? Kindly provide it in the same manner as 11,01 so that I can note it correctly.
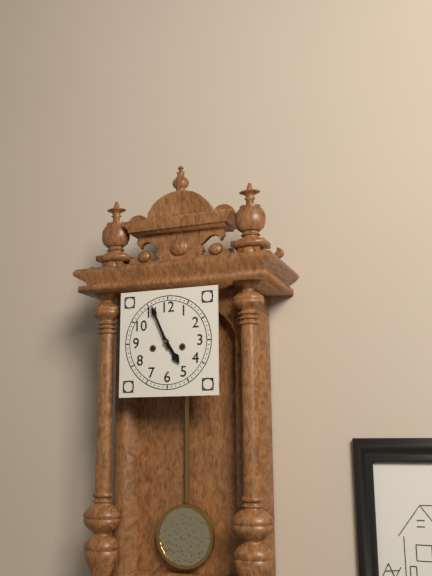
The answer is 4,56
